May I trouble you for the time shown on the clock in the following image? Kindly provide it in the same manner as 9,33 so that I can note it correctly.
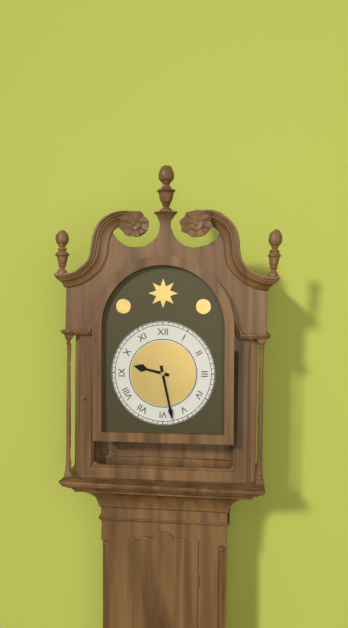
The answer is 9,28
